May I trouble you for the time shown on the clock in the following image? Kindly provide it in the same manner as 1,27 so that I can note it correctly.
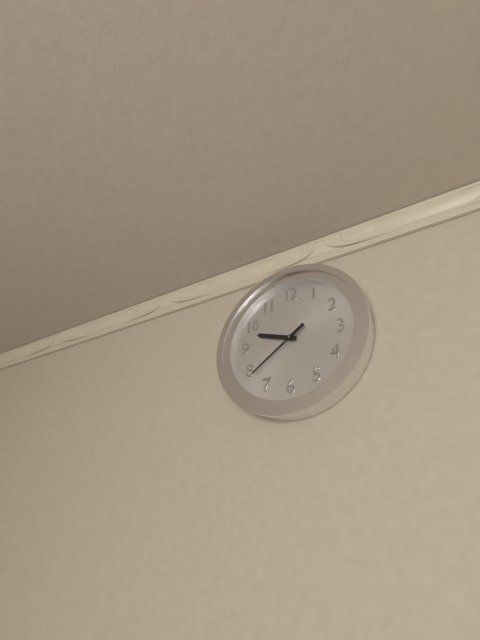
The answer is 9,39
